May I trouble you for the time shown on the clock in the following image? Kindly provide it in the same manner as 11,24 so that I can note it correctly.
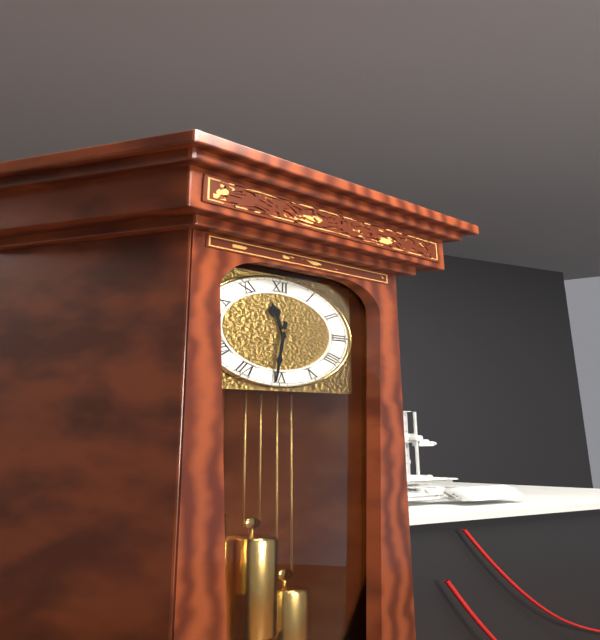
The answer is 11,31
